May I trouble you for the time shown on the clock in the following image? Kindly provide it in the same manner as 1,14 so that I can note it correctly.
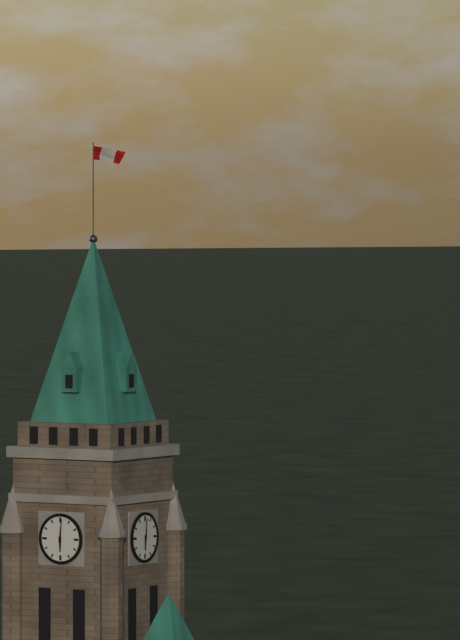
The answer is 6,01
